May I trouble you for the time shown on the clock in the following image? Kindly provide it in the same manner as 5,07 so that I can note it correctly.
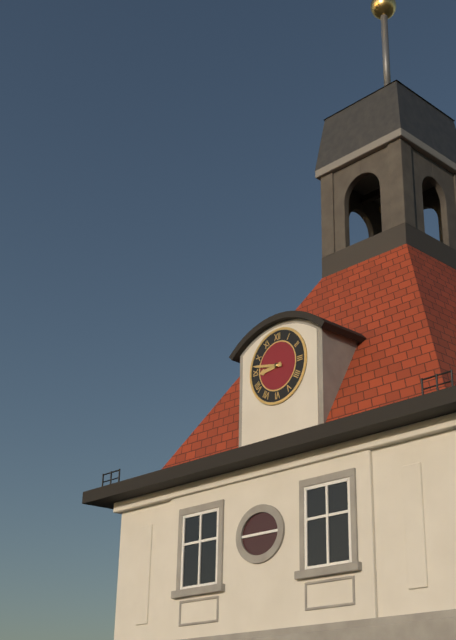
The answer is 8,47
